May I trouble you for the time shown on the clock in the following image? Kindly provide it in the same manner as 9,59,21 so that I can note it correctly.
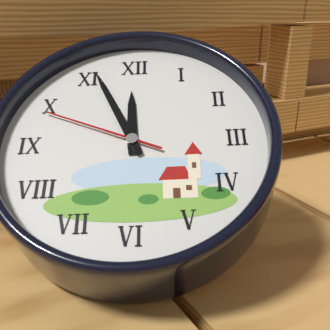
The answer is 11,56,49
